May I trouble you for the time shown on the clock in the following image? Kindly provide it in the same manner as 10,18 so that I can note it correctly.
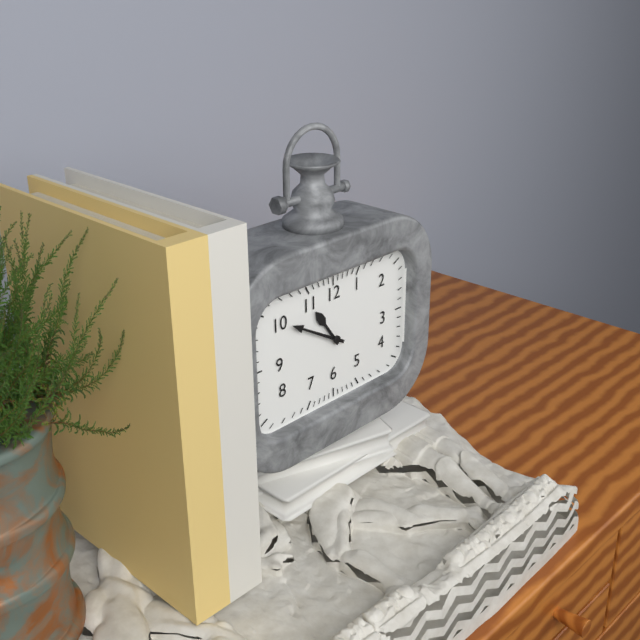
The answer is 10,50
